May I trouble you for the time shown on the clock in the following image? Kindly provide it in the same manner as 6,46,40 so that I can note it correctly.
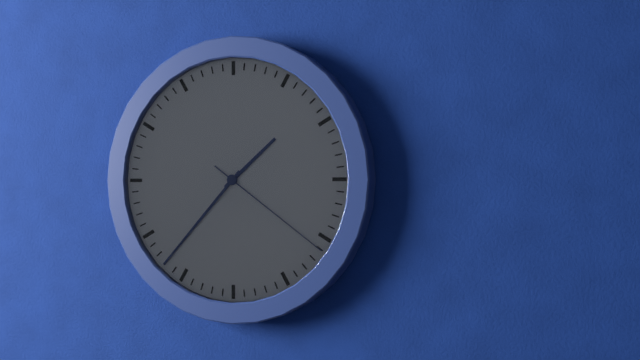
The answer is 1,37,21
